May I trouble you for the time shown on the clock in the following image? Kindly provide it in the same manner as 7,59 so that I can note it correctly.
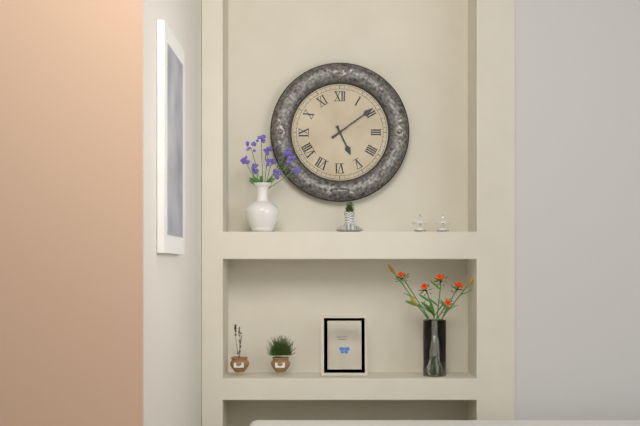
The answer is 5,09
